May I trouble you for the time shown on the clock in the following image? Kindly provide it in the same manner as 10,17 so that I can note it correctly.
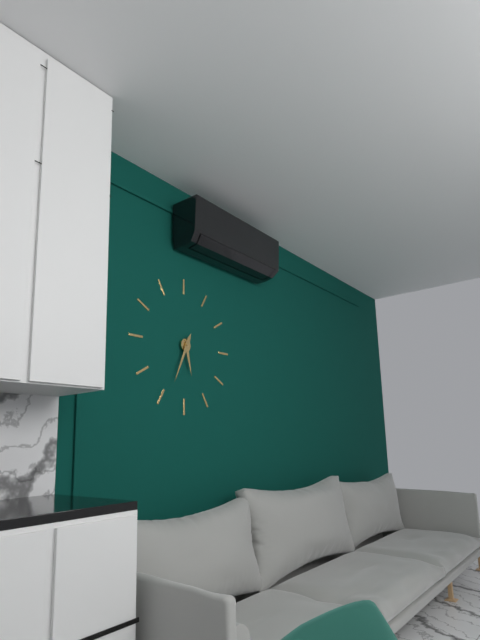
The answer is 5,34
